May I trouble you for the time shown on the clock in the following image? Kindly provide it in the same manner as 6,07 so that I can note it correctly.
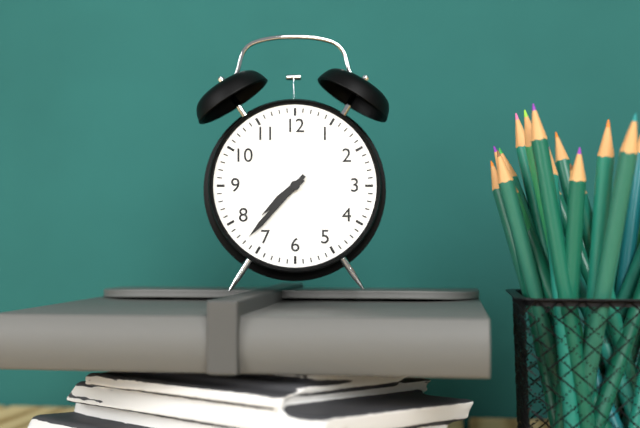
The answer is 7,37
